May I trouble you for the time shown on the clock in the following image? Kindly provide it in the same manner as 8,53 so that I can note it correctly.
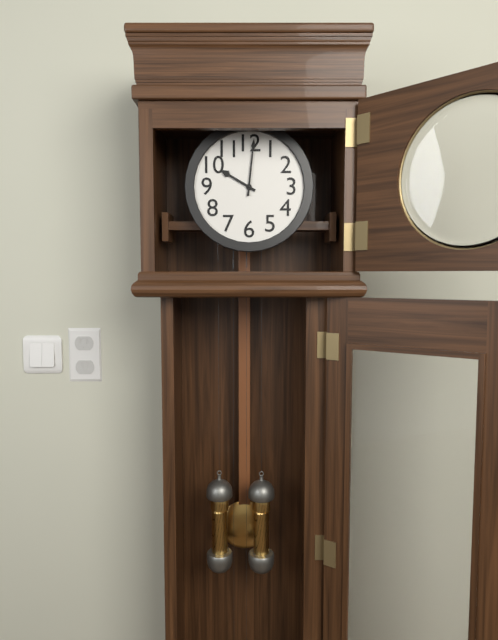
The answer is 10,01
